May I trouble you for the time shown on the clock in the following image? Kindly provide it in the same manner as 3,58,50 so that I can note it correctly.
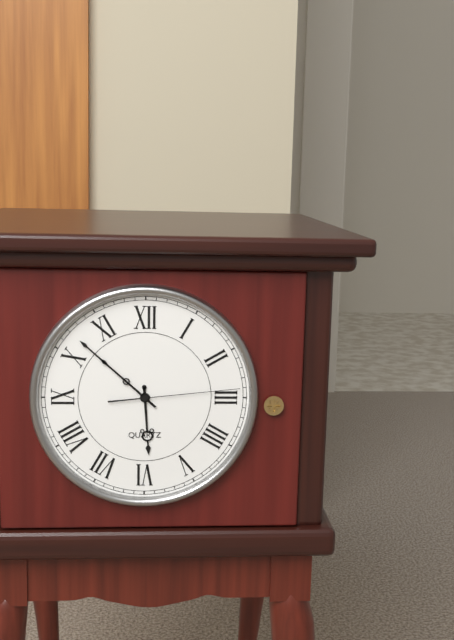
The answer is 5,52,14
